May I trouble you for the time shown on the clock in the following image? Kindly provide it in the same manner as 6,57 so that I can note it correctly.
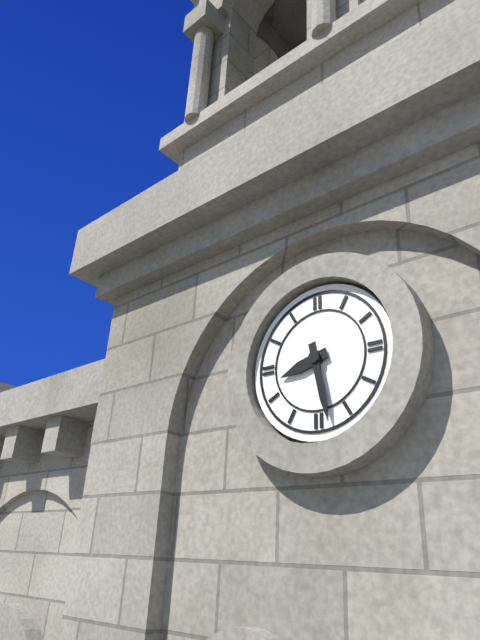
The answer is 8,28
